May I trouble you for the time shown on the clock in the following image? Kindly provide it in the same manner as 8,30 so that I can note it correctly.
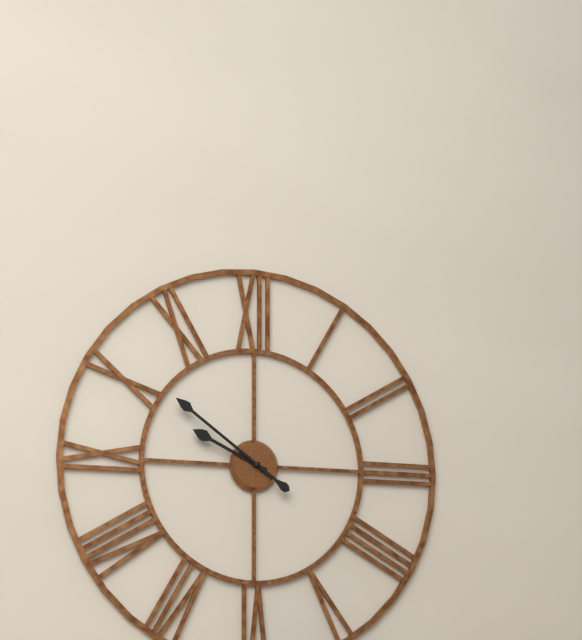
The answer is 9,51
